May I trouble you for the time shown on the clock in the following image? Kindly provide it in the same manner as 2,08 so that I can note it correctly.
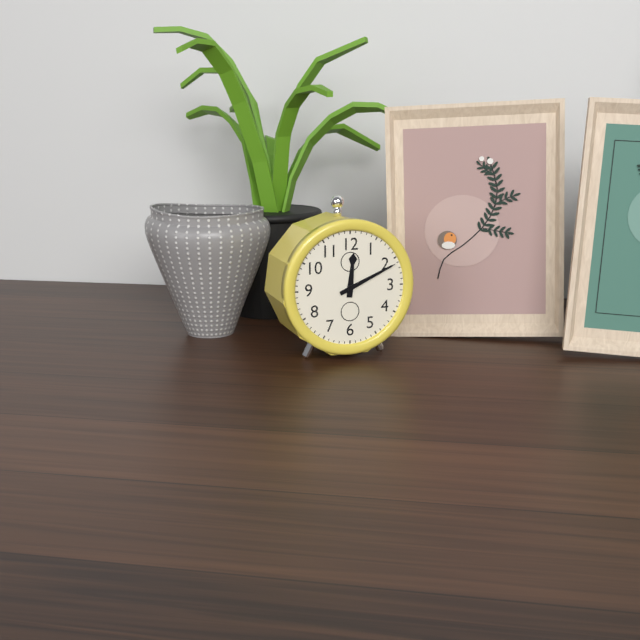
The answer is 12,11
